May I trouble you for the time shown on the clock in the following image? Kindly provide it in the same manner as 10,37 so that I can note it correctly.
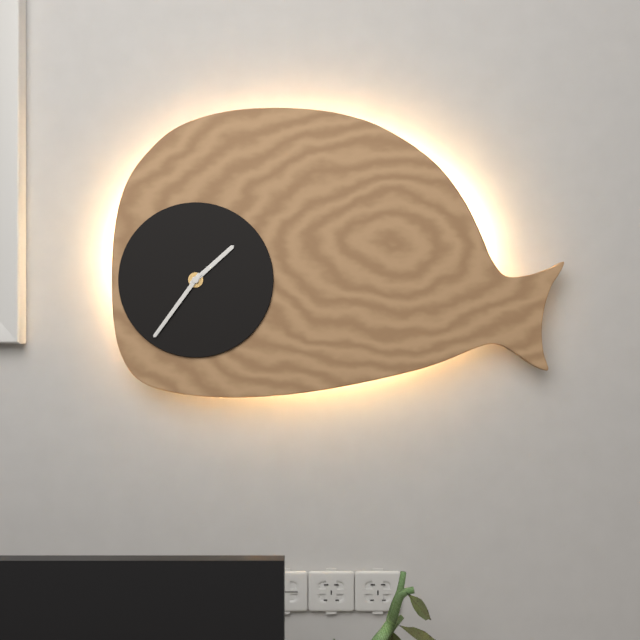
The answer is 1,36
